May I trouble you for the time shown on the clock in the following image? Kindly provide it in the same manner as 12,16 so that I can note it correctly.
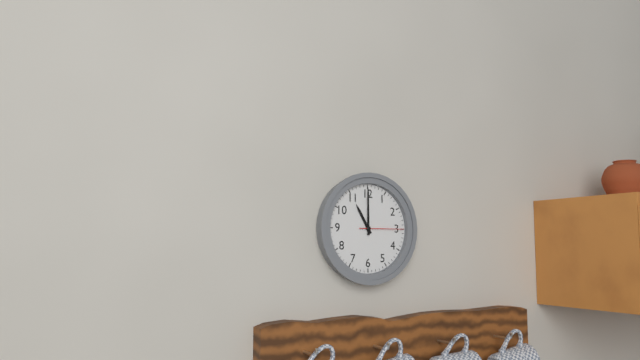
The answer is 11,00
